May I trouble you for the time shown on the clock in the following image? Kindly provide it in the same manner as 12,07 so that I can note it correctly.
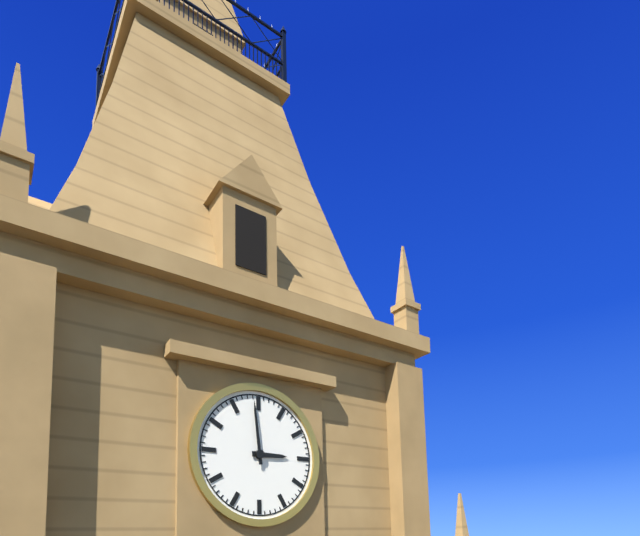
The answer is 2,59
